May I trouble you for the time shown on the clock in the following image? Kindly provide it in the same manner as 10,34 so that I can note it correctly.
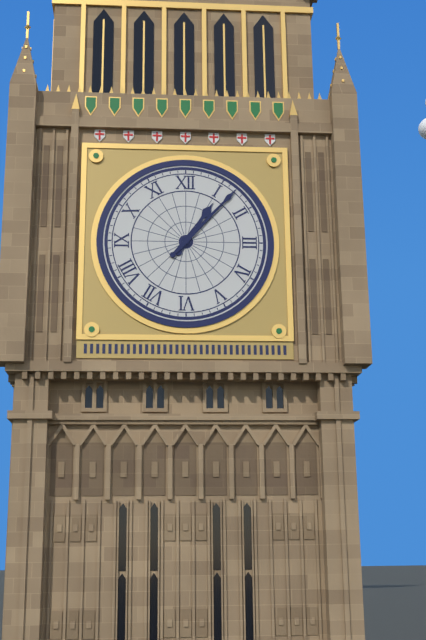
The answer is 1,07
